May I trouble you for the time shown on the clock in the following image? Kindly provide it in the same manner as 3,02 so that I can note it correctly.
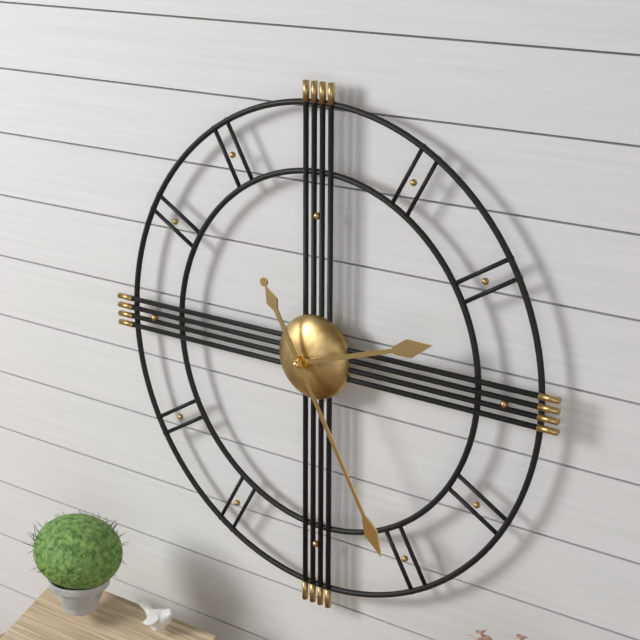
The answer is 2,25
